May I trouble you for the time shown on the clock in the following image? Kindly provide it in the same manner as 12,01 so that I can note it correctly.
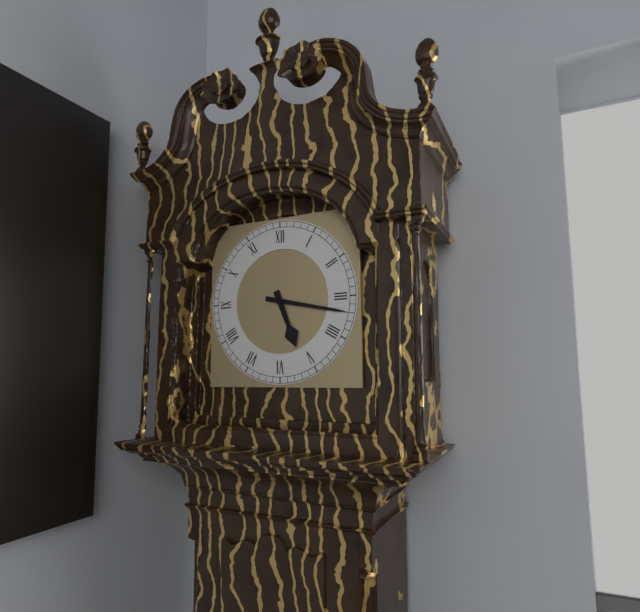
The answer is 5,17
